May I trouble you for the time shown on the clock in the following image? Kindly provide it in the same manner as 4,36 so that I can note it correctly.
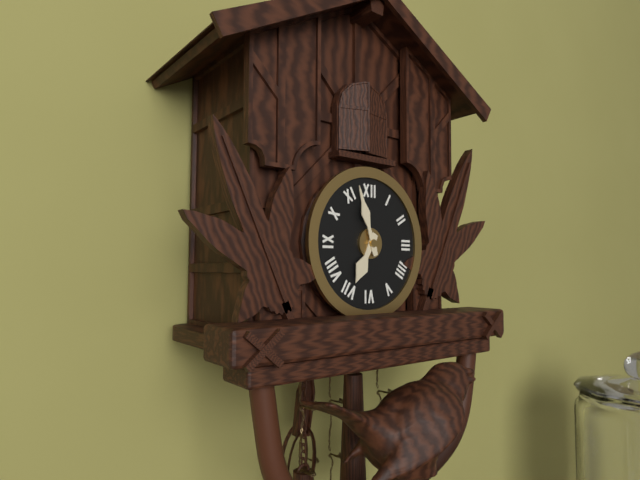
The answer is 6,57
